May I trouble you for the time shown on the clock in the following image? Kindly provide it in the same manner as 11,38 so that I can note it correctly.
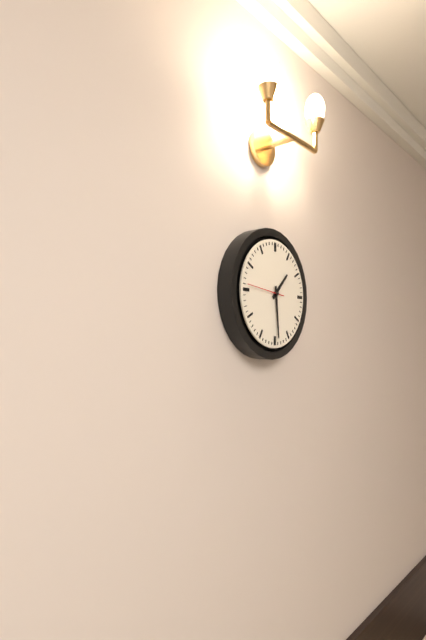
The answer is 1,29
